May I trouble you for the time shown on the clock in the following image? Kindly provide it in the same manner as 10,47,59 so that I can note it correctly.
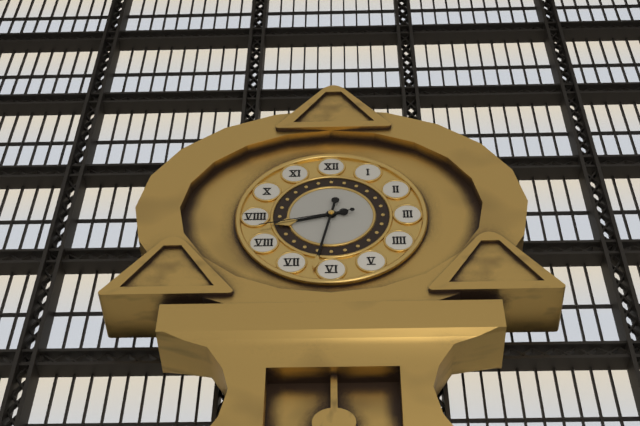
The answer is 8,32,43
